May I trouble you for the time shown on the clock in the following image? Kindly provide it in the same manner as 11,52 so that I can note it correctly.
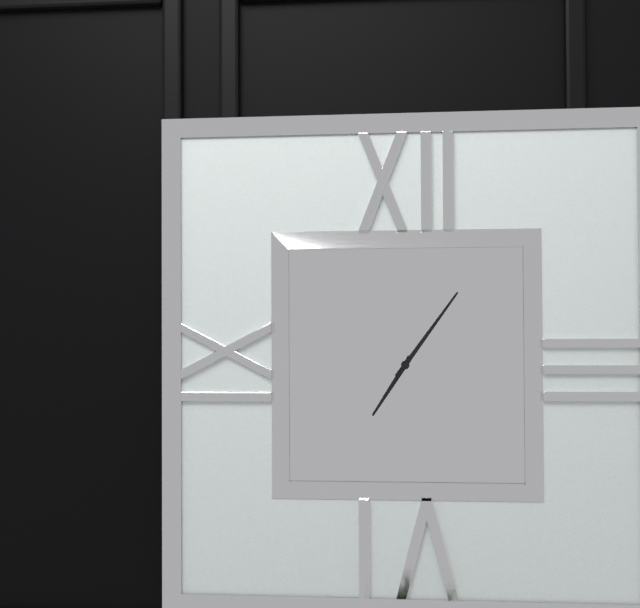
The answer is 7,06
